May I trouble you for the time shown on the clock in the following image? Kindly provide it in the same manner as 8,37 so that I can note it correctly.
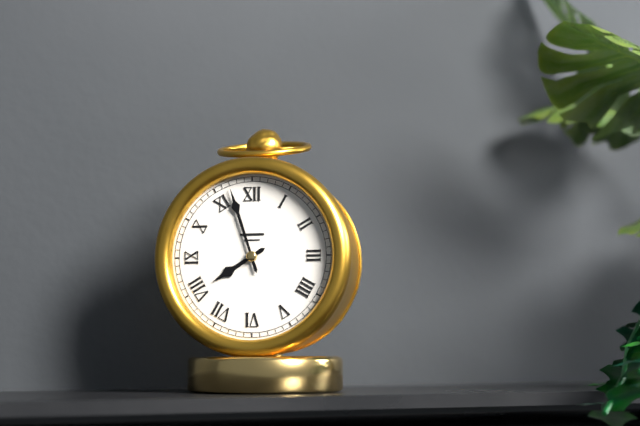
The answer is 7,57
